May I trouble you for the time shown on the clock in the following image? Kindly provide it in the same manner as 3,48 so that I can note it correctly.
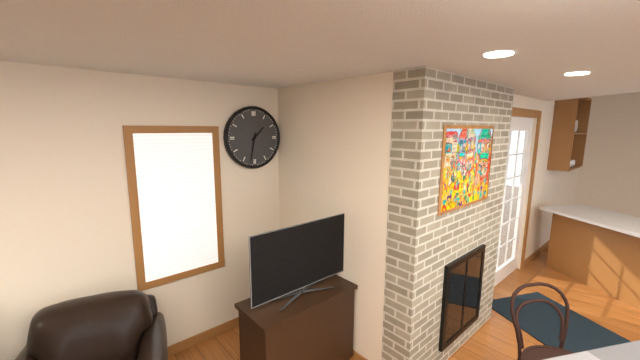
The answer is 1,32
